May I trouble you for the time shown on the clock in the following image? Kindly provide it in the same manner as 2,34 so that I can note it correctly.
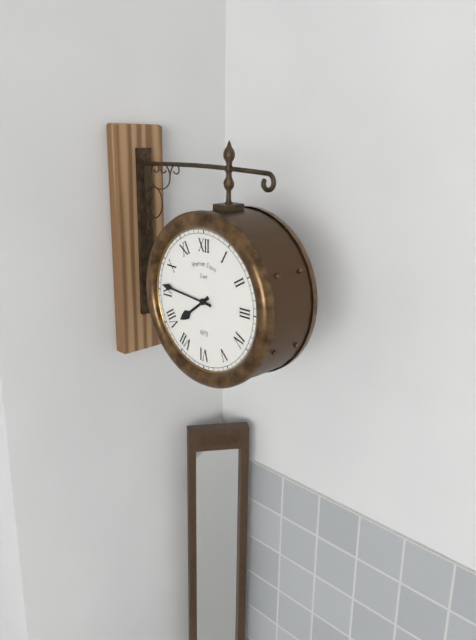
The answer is 7,46
